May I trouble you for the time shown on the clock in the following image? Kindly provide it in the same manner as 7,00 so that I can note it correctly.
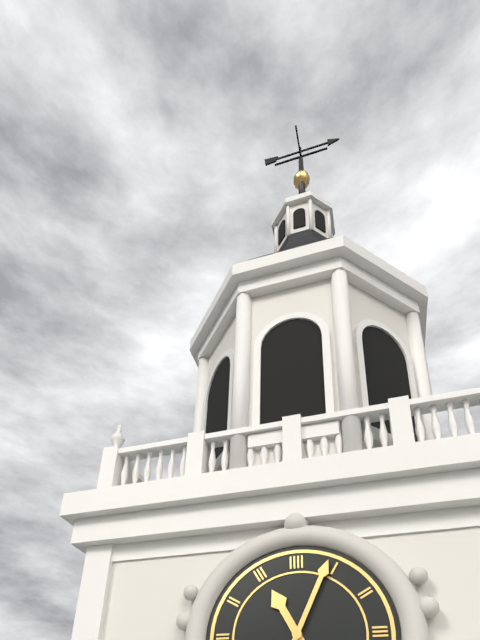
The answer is 11,04
